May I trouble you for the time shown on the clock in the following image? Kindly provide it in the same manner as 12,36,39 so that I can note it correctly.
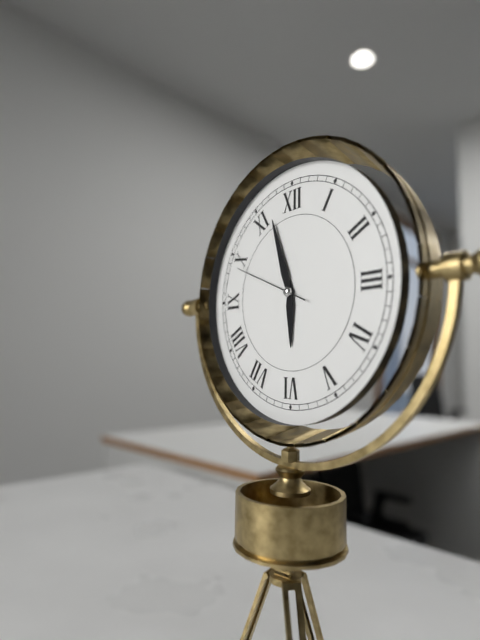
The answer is 5,57,49
